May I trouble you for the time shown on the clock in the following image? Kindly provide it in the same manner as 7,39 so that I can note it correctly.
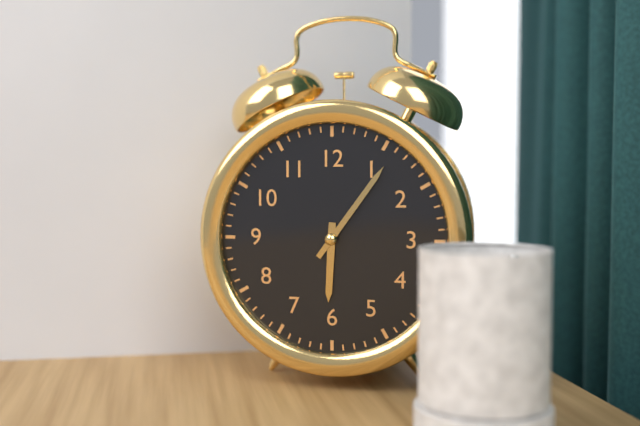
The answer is 6,06
